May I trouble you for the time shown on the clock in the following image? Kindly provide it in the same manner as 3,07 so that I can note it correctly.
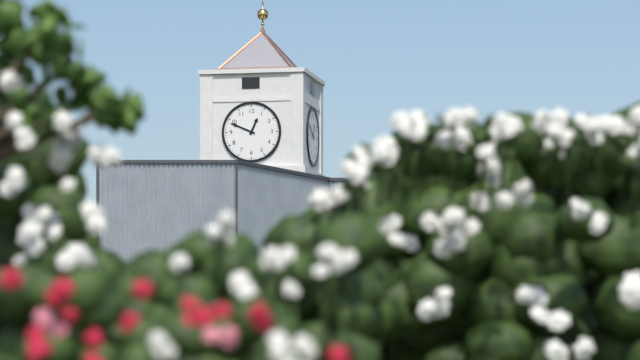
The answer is 12,49
